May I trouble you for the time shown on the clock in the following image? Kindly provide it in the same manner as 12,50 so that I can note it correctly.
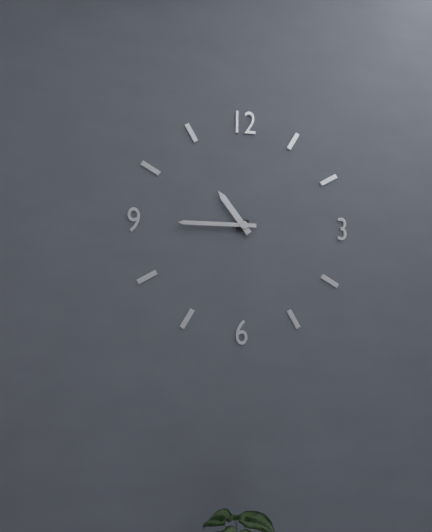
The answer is 10,45
